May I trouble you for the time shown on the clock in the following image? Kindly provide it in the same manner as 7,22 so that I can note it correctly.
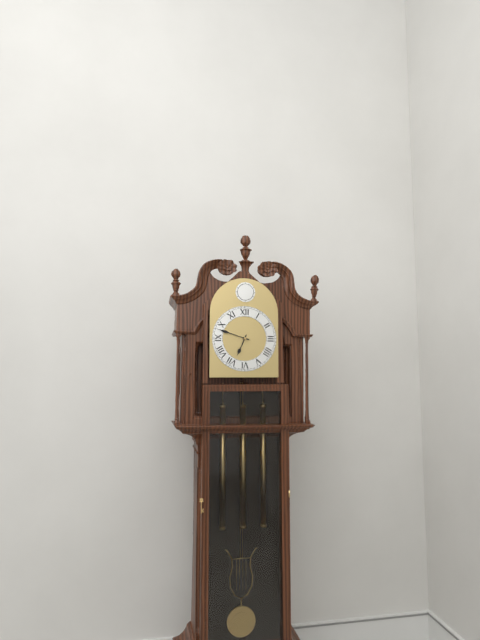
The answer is 6,48
